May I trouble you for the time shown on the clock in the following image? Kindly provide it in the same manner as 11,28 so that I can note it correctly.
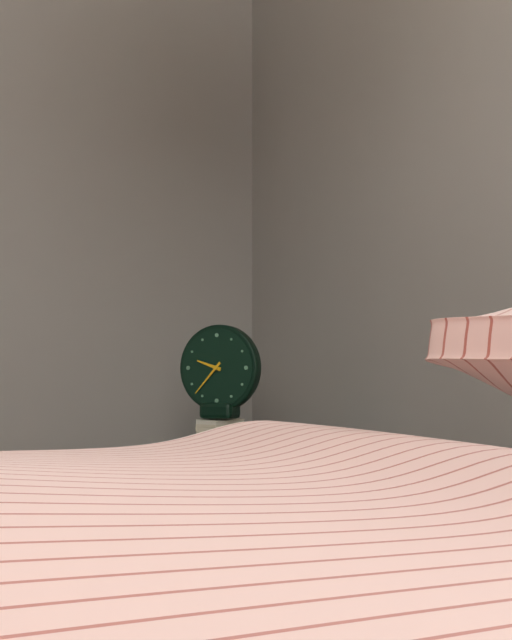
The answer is 9,37
